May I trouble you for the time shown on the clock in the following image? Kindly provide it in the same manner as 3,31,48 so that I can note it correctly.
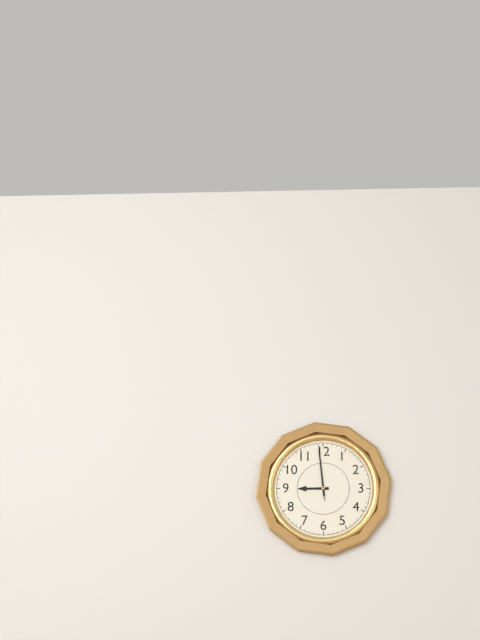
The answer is 8,59,59
